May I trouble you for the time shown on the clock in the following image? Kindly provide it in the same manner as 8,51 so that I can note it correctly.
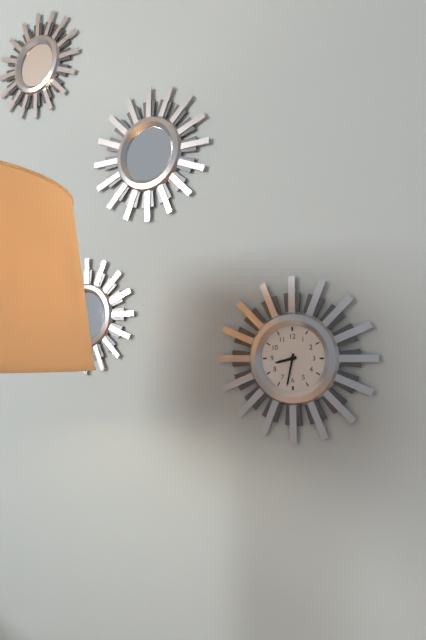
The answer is 8,32
